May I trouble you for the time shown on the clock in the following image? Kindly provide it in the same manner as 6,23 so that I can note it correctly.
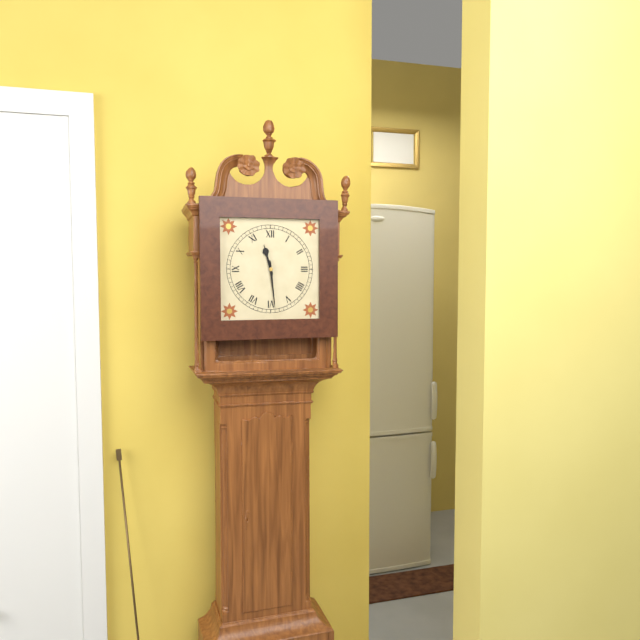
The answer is 11,29
